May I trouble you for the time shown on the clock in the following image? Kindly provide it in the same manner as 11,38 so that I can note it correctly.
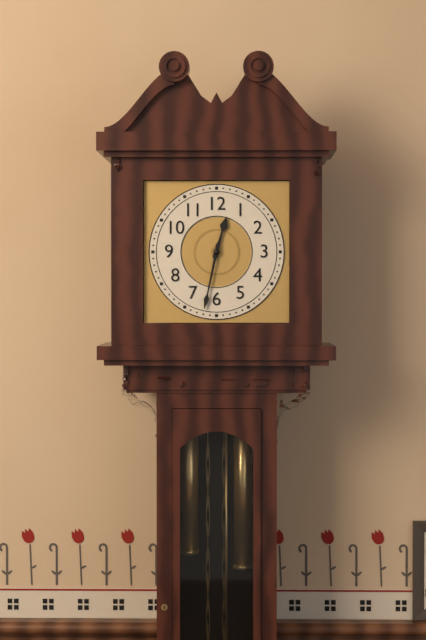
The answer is 12,32
